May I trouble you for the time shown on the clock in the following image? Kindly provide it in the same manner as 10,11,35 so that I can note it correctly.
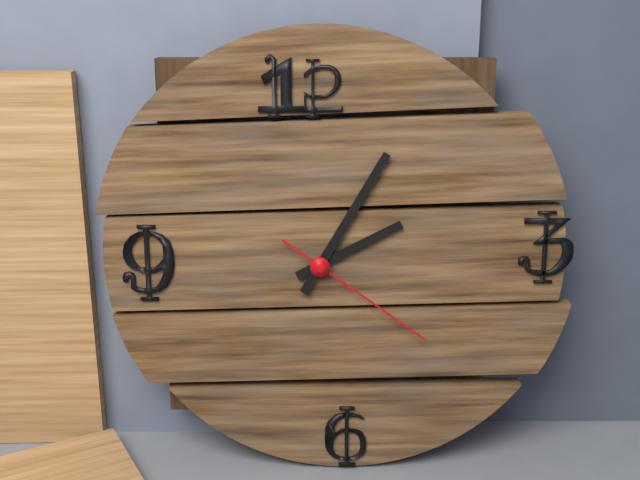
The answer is 2,05,21
